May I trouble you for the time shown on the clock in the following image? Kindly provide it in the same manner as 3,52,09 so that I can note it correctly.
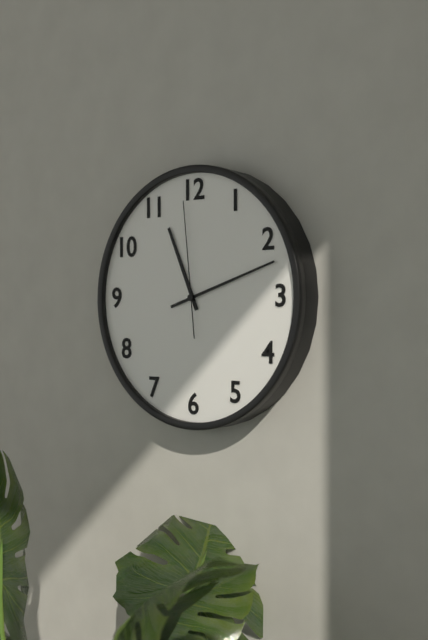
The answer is 11,12,59
